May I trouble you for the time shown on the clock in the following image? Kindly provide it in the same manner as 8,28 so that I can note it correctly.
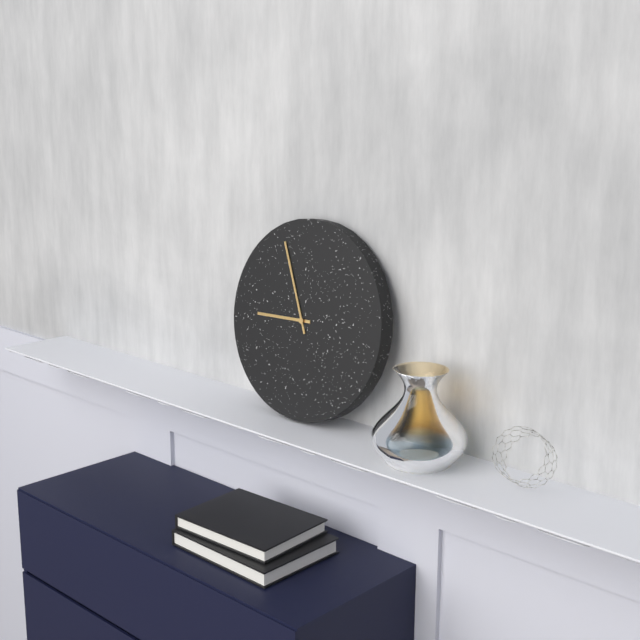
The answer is 8,56
